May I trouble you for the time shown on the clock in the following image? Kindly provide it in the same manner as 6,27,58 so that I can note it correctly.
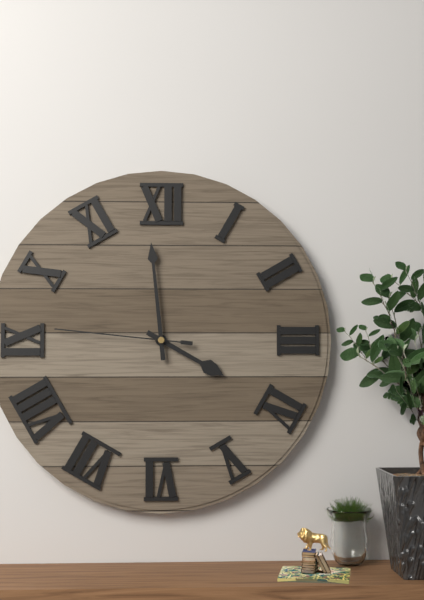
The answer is 3,59,46
